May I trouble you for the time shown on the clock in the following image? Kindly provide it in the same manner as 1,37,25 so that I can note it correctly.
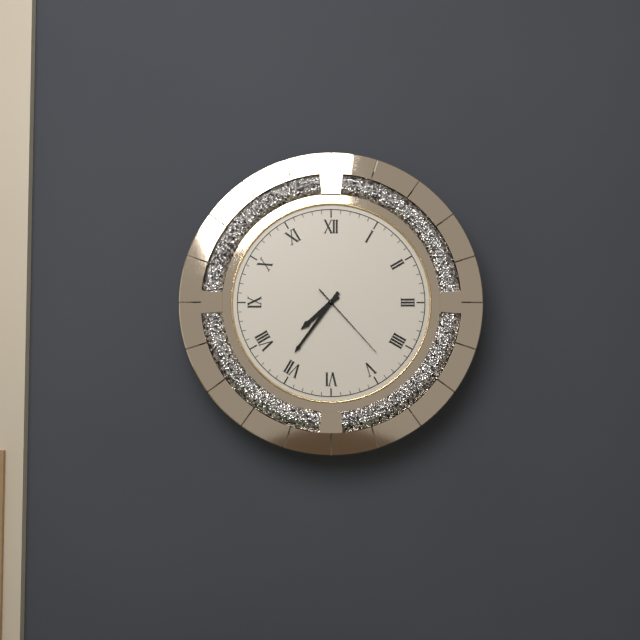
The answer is 7,36,23
